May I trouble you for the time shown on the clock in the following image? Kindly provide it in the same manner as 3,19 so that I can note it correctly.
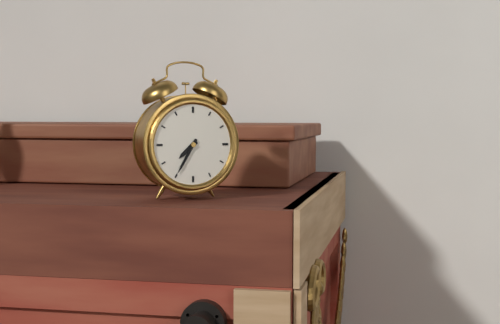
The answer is 7,35
